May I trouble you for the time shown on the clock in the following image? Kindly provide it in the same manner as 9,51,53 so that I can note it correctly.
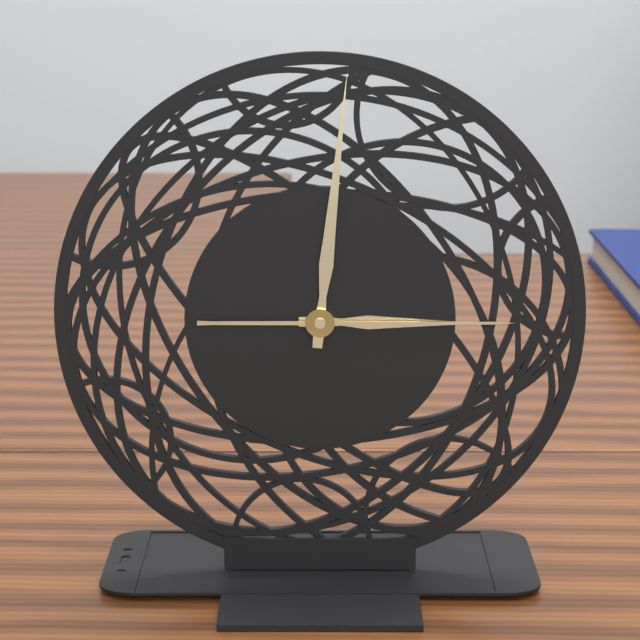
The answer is 3,01,15
